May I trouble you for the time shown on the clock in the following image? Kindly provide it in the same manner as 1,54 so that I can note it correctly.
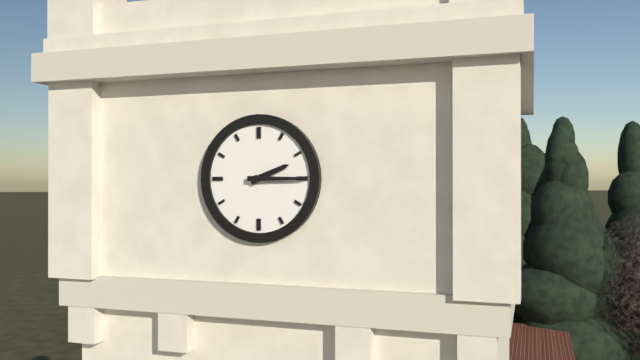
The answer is 2,15
